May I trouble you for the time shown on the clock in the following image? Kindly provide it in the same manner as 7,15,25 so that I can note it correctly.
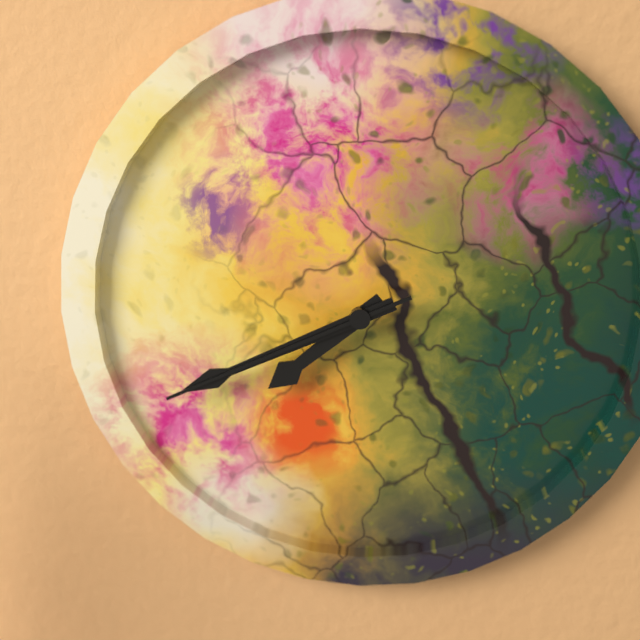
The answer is 7,41,41
